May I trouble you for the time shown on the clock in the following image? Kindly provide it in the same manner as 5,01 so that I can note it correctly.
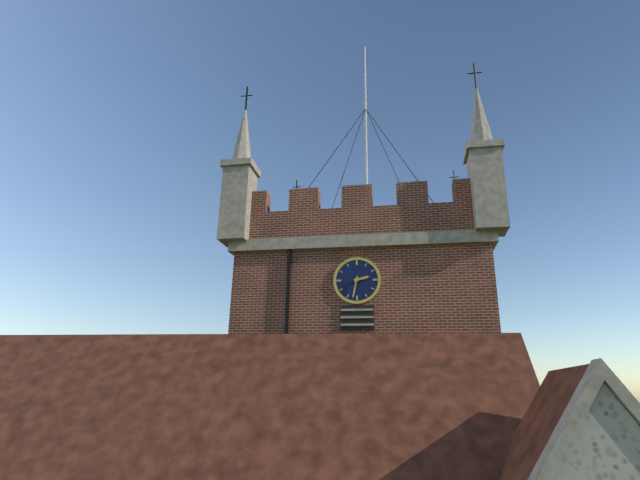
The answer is 2,32
